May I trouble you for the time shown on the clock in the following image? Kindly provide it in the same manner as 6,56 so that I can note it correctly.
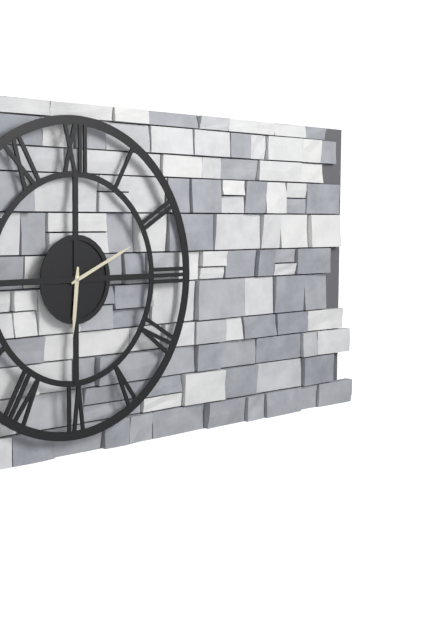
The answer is 6,11
